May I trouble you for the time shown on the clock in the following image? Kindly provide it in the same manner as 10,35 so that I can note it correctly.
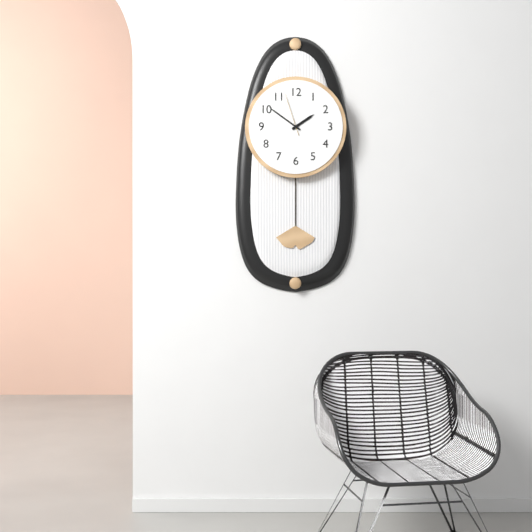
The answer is 1,51
